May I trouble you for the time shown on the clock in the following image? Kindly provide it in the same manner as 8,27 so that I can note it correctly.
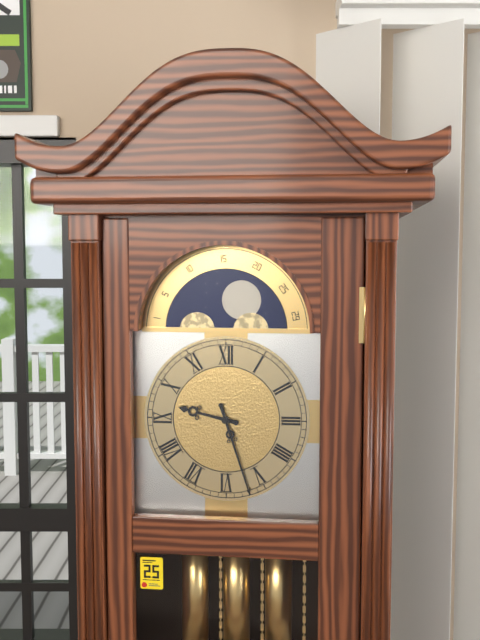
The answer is 9,27
